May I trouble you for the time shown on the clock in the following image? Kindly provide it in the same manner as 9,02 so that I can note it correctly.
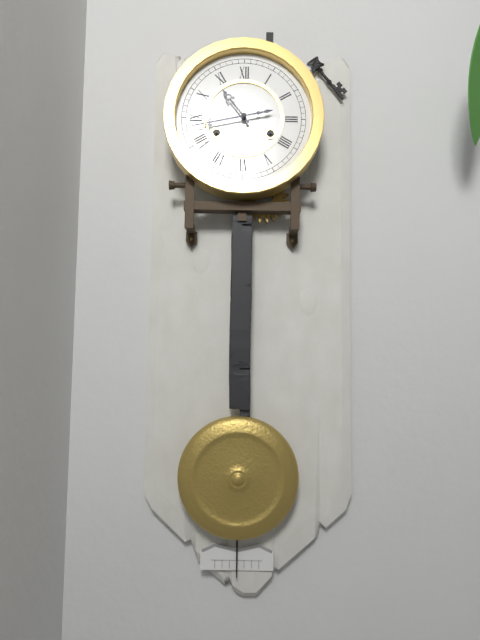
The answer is 10,43
